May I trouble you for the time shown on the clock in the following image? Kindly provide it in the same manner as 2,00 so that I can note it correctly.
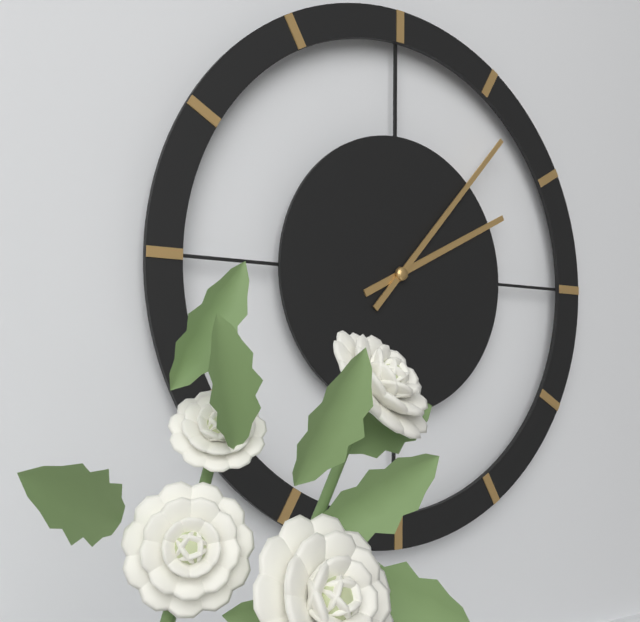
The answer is 2,07
